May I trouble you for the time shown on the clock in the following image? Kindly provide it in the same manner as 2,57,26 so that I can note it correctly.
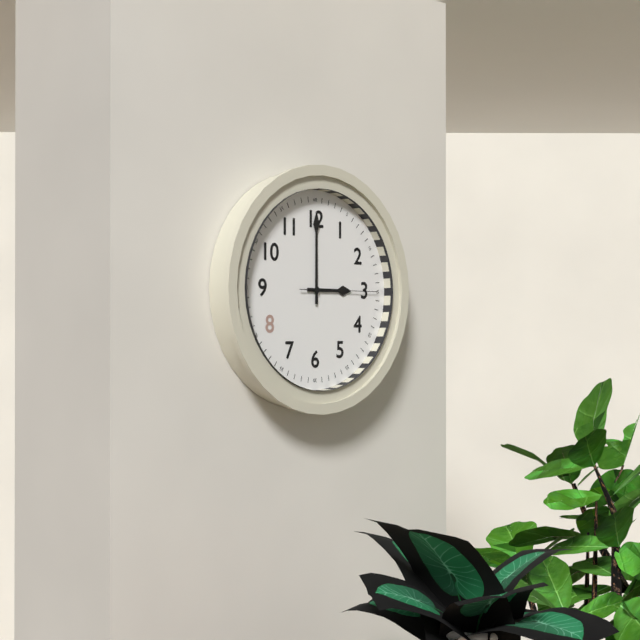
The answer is 3,00,15
